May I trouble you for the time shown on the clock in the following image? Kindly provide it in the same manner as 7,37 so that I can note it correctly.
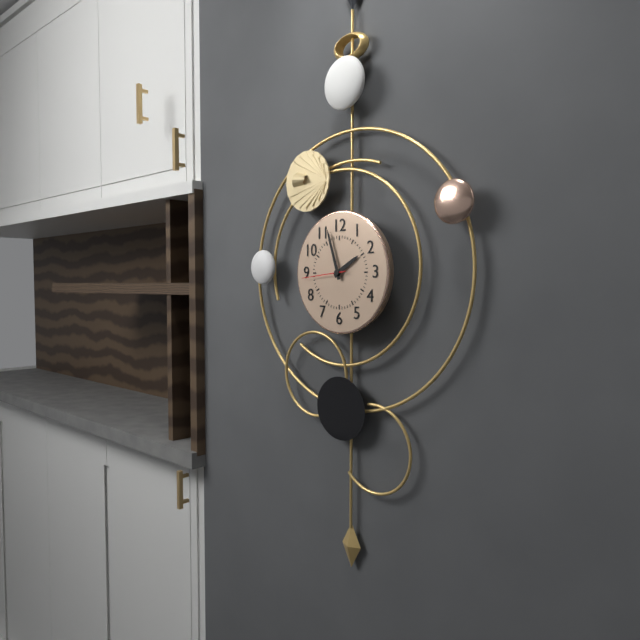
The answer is 1,57
